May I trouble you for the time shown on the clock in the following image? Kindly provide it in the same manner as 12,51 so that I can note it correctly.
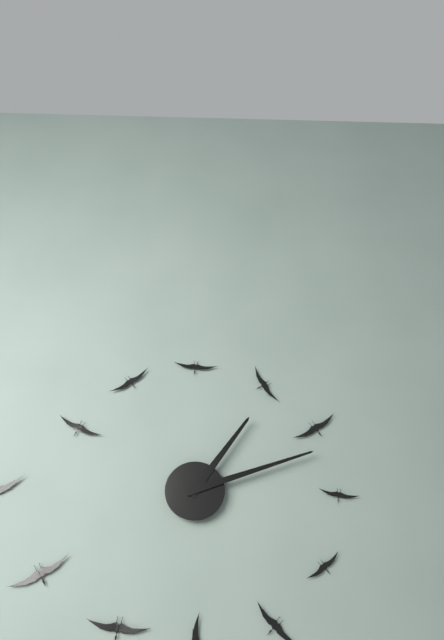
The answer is 1,12
